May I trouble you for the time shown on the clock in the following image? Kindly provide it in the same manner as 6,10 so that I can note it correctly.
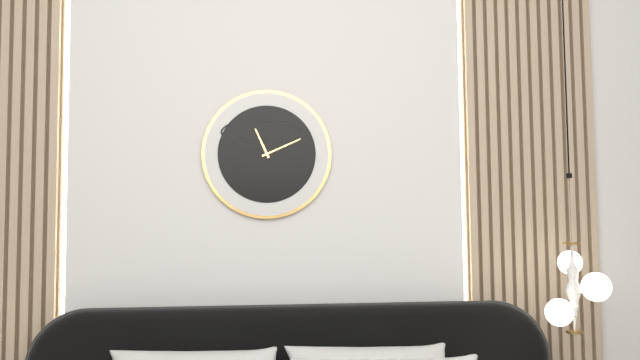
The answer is 11,11
